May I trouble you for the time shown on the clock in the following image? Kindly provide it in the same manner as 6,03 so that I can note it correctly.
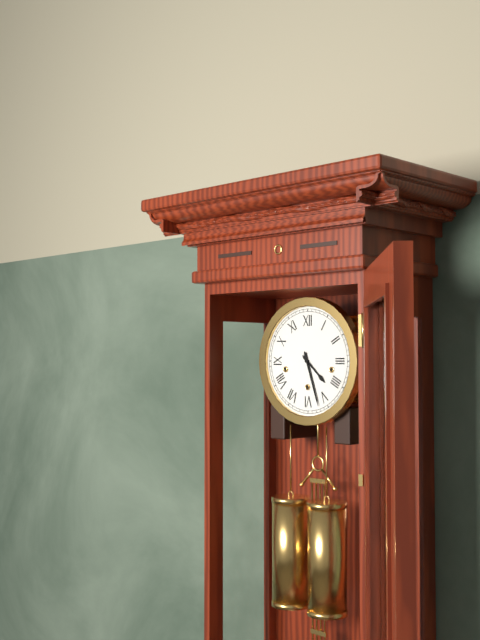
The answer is 4,27
